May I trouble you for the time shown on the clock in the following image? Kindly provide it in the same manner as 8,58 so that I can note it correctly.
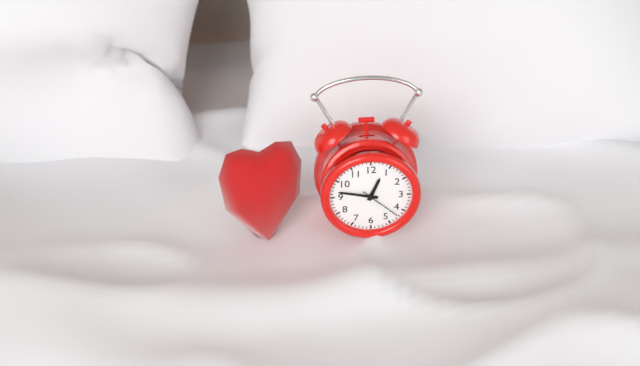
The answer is 12,47
